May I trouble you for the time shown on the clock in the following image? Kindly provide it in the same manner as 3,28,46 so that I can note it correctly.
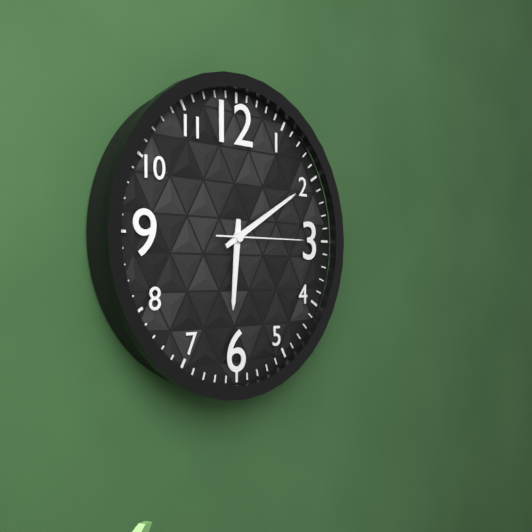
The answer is 6,10,15
